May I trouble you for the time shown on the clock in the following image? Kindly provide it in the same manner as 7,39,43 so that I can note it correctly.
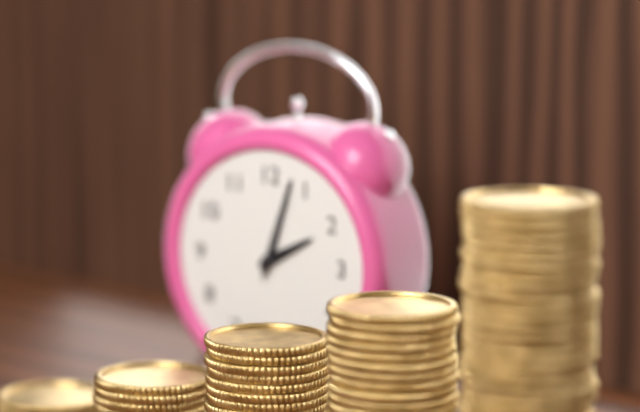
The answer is 2,03,03
